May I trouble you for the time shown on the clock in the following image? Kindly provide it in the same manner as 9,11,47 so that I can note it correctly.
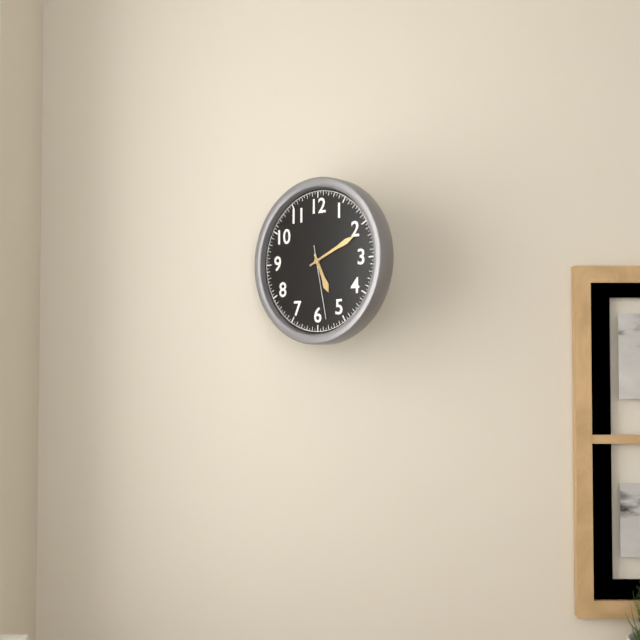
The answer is 5,11,28
